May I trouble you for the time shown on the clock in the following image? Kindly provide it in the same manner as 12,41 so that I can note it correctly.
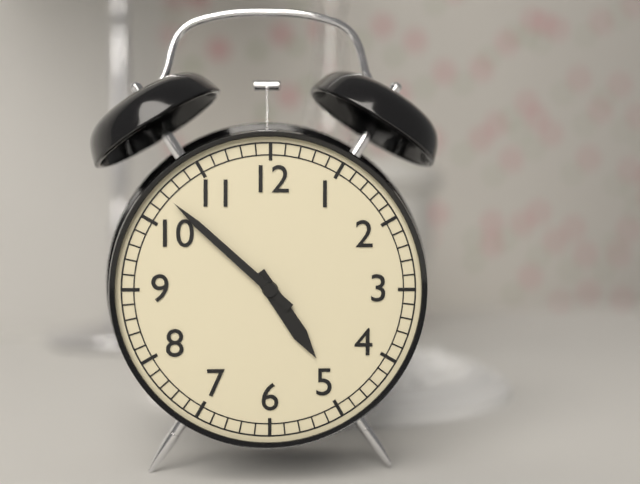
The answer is 4,52
